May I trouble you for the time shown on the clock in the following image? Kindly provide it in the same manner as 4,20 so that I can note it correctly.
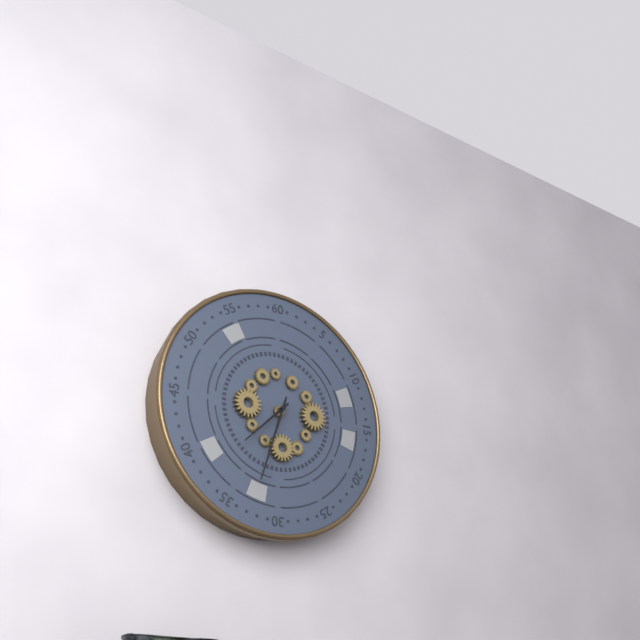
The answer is 7,33
